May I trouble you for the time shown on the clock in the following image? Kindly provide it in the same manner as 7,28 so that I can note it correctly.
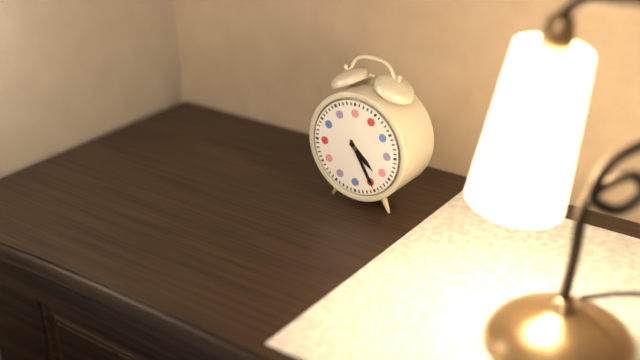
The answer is 4,25
